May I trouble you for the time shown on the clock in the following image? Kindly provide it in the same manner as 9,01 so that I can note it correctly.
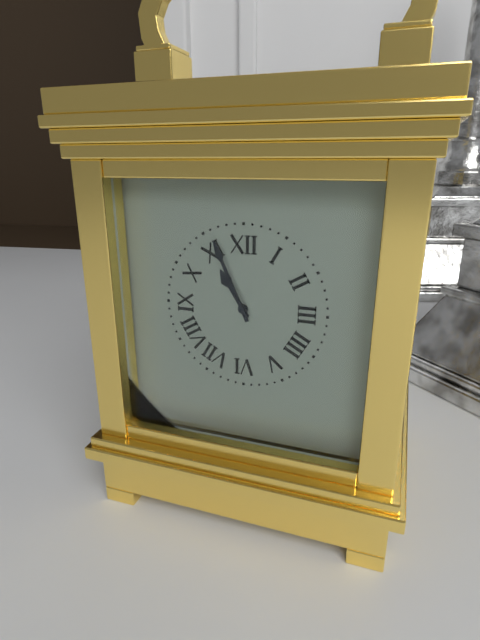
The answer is 10,56
